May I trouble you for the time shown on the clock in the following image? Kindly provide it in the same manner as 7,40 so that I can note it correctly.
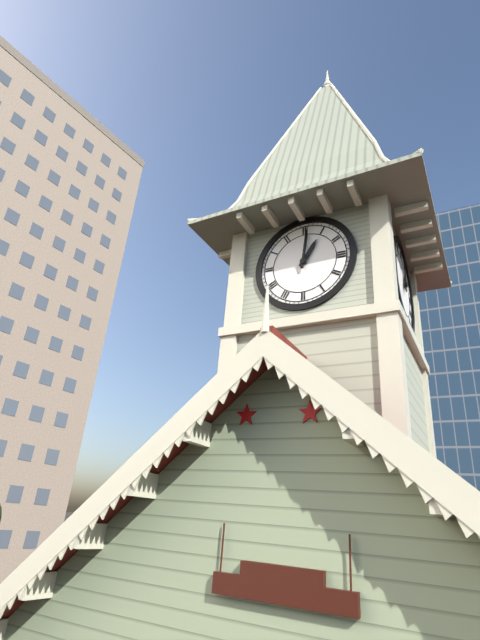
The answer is 1,01
